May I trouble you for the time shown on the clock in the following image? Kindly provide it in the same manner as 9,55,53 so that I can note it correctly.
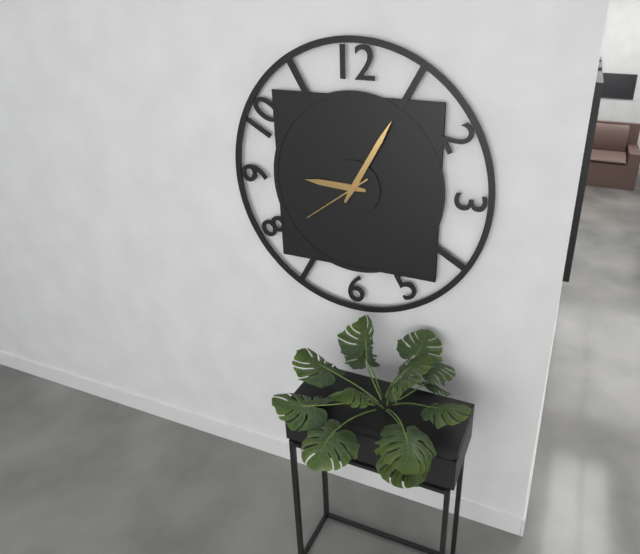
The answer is 9,05,39
